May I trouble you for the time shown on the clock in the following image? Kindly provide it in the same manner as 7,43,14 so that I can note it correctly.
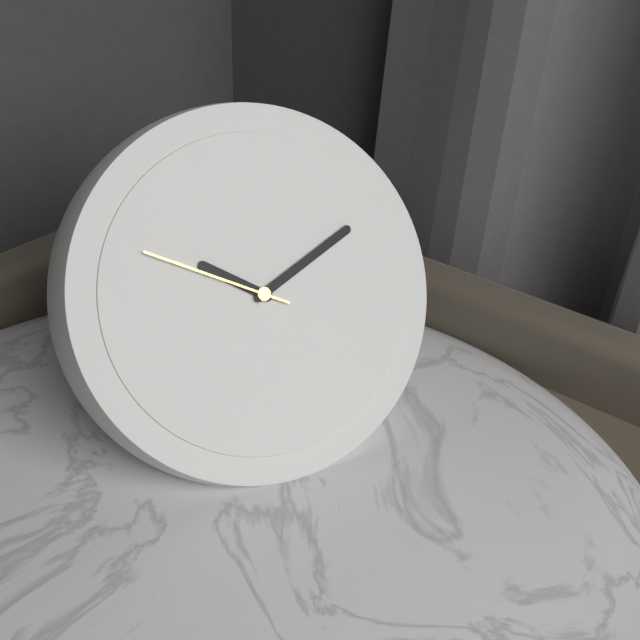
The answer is 10,11,50
